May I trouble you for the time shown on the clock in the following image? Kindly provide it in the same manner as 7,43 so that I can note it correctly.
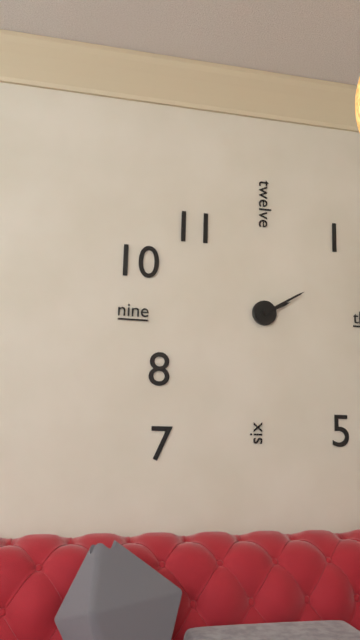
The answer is 2,10
